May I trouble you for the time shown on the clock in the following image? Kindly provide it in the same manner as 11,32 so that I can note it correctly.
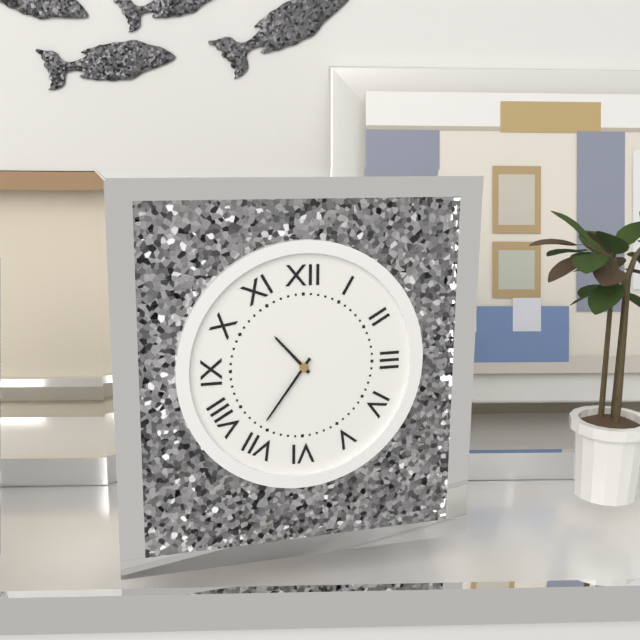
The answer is 10,36
